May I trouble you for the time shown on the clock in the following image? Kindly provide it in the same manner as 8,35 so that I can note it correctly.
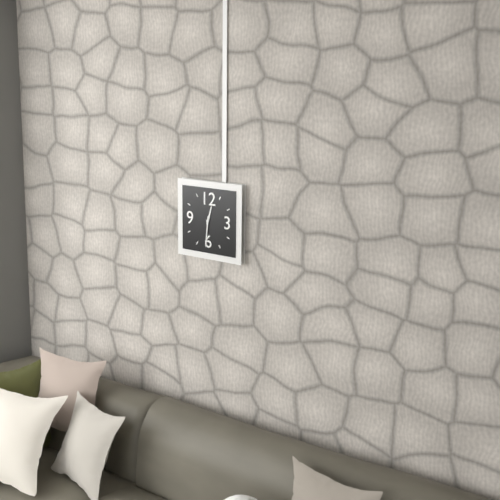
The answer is 12,31
